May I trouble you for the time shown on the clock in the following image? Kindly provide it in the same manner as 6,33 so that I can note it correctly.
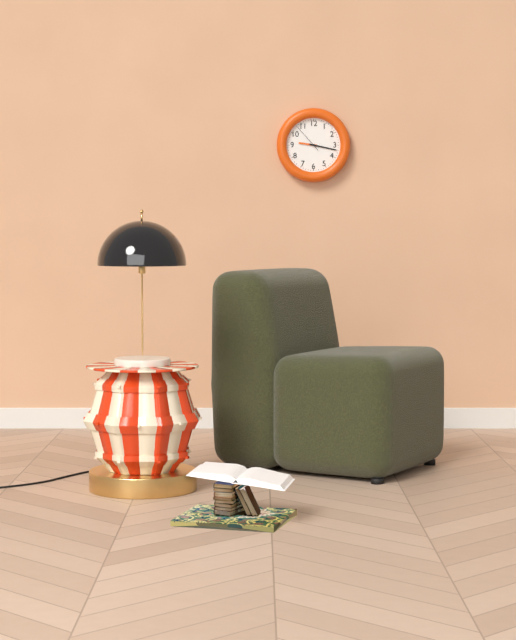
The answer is 9,17
